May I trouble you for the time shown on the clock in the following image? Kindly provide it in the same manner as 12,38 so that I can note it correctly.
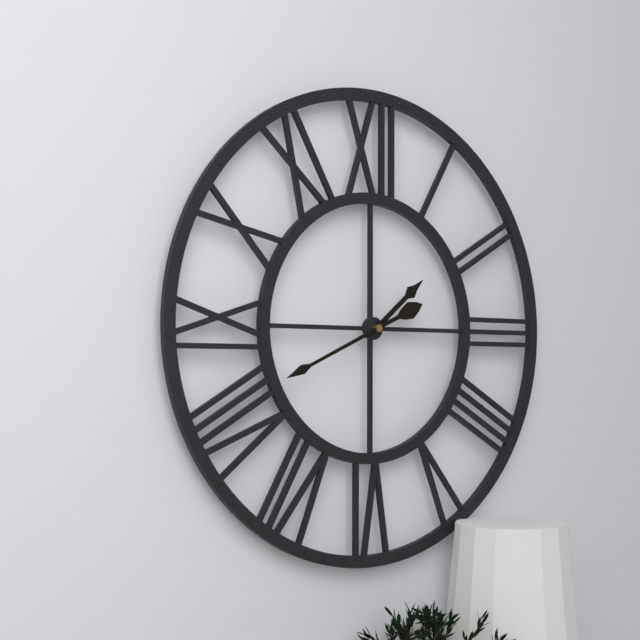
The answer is 1,41
